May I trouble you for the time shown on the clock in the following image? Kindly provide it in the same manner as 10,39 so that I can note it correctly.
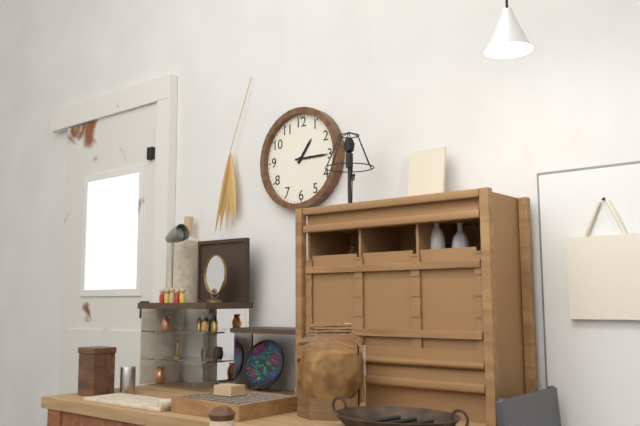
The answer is 1,15
